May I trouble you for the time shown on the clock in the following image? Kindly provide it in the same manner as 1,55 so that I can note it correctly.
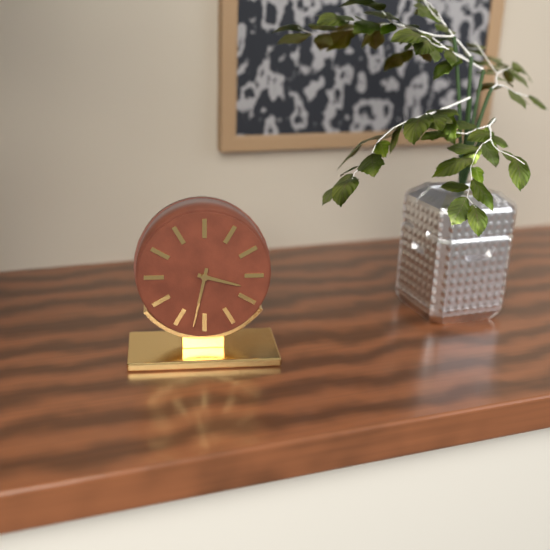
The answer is 3,32
